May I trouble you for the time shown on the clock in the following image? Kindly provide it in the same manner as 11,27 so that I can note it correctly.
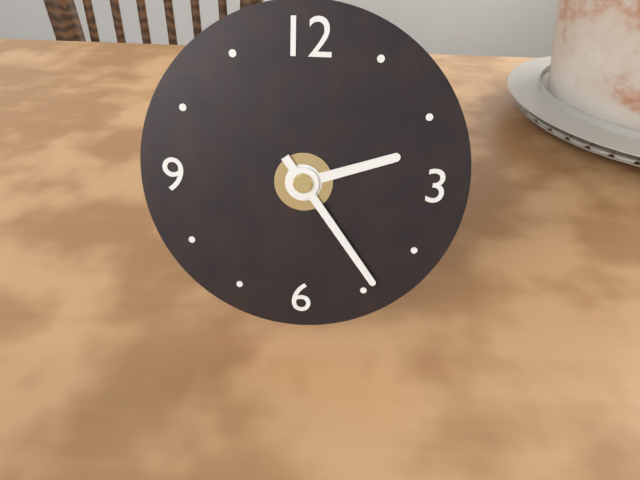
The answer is 2,24
